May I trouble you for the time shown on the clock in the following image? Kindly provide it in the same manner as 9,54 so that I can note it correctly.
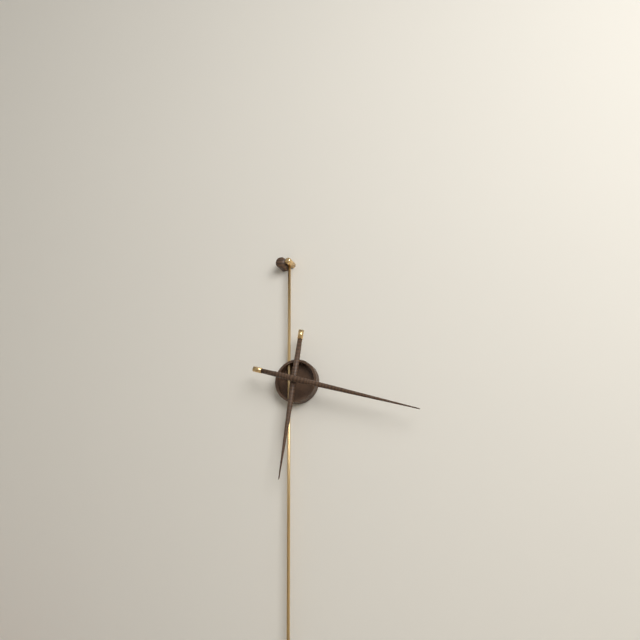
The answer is 6,18
